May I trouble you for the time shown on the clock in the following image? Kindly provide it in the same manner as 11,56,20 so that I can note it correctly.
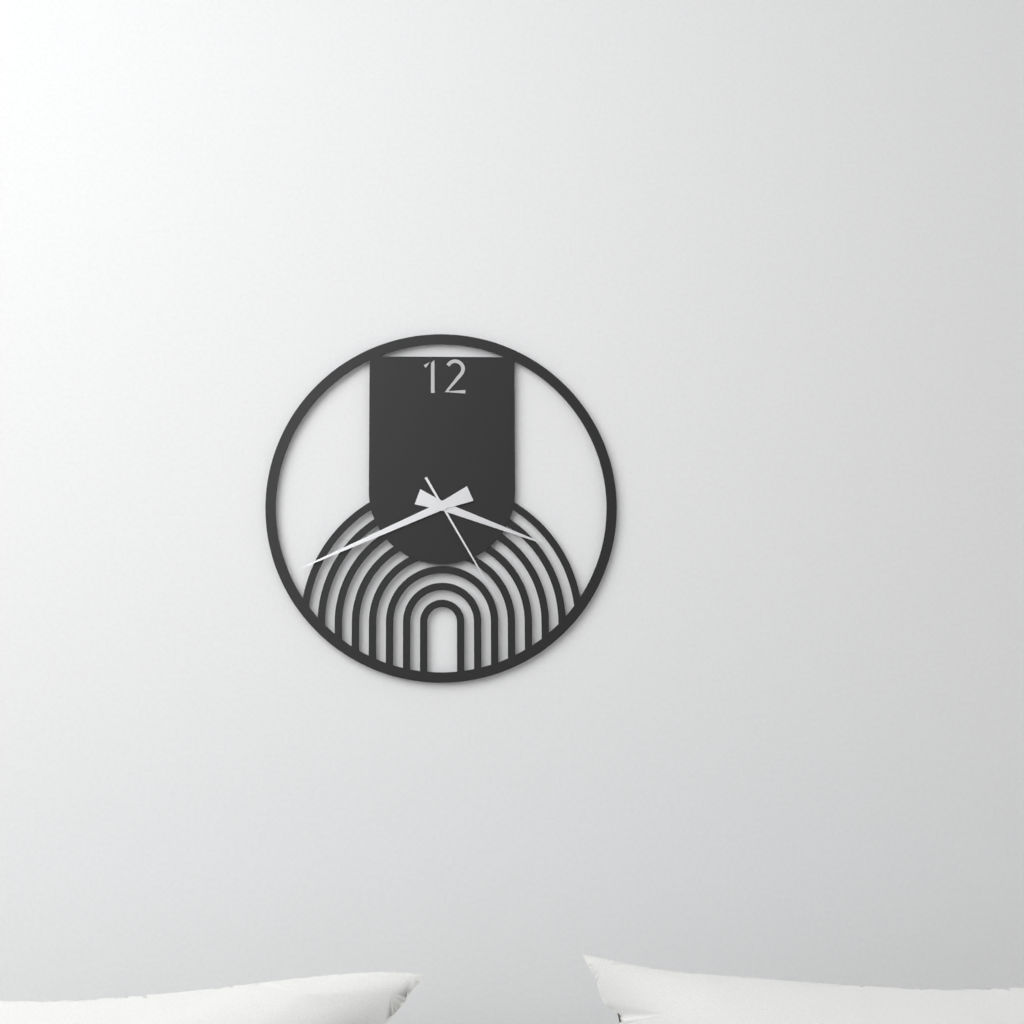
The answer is 3,41,25
